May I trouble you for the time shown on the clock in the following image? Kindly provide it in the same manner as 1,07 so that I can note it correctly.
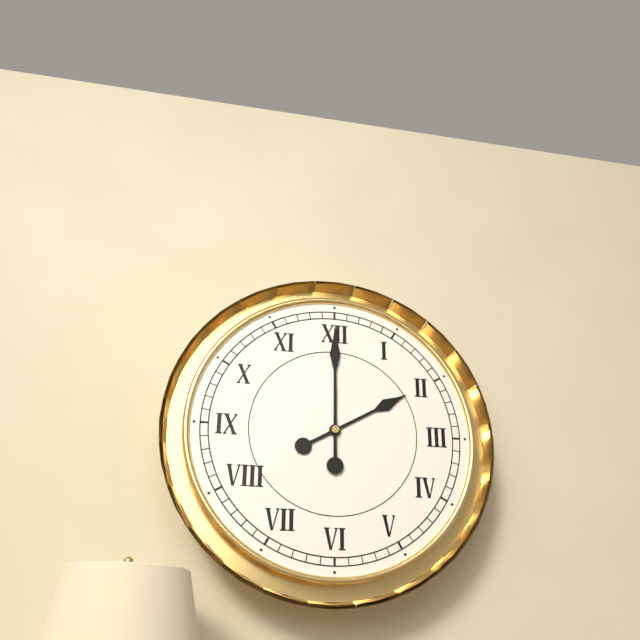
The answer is 2,00
